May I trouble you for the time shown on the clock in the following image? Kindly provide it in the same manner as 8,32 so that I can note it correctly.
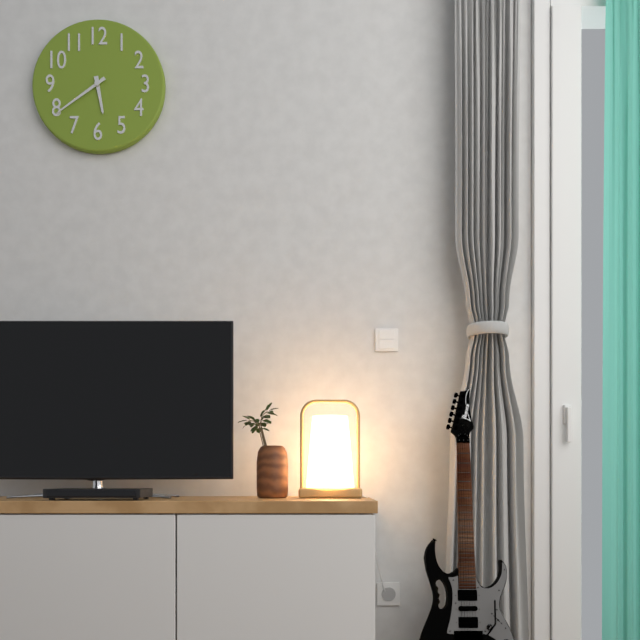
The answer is 5,39
